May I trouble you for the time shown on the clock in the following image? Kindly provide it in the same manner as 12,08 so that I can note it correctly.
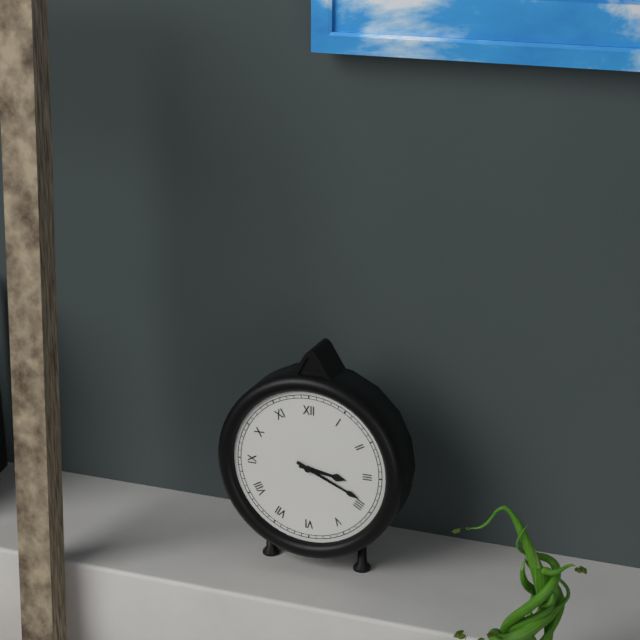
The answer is 3,19
